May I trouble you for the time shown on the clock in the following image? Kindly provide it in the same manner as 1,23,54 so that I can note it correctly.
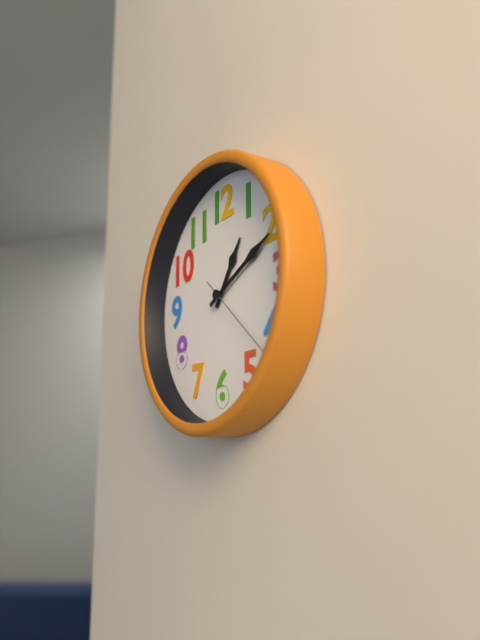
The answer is 1,11,22
